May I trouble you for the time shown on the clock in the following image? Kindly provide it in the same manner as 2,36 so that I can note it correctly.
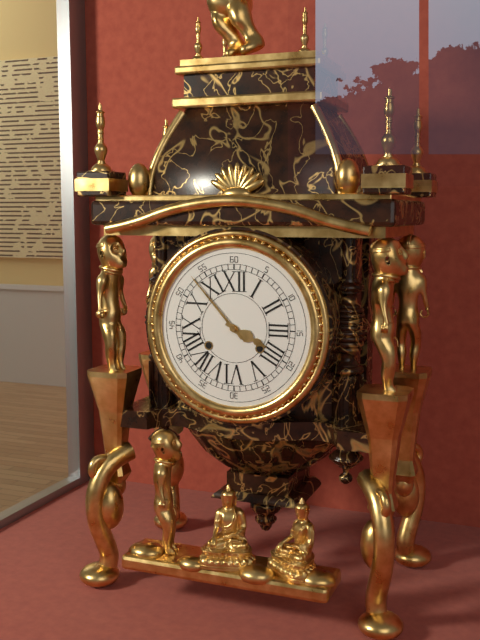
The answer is 3,53
